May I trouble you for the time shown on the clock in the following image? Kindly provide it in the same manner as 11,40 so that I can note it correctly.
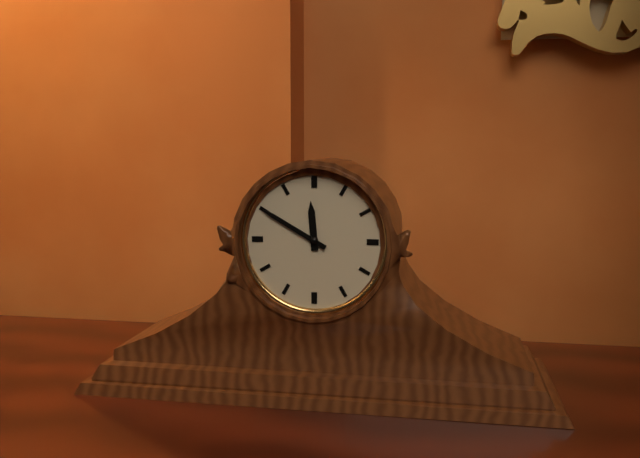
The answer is 11,50
